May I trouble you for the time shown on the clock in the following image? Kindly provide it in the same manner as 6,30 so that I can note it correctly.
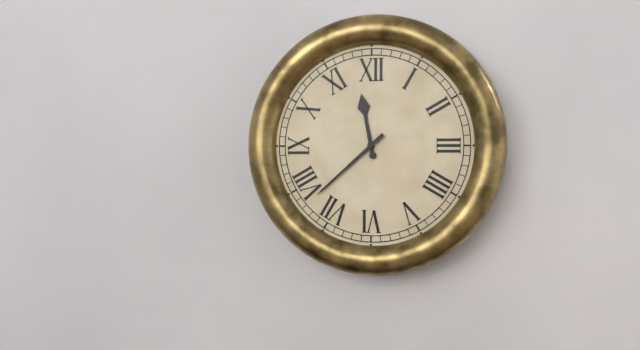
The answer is 11,38
